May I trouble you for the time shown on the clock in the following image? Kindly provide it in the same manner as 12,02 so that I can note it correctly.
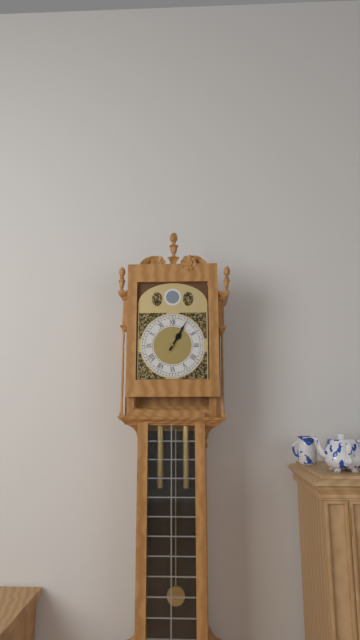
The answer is 1,05
